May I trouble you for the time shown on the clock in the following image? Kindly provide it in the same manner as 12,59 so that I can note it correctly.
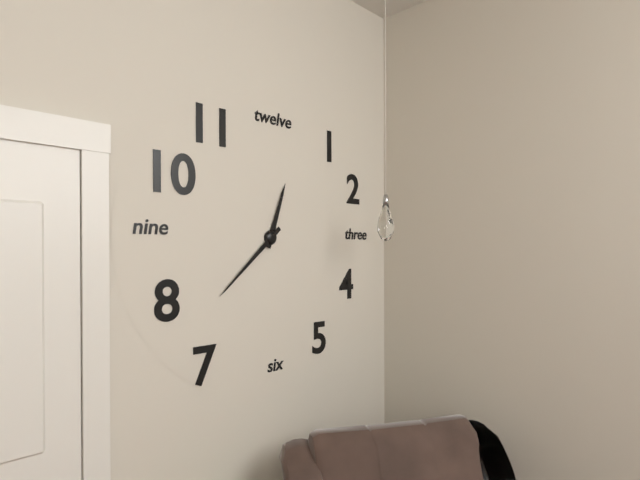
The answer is 12,38
